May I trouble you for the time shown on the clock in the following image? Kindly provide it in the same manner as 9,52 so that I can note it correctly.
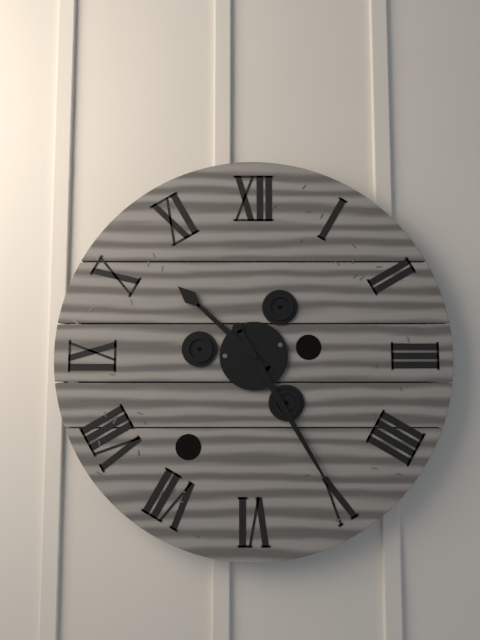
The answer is 10,25
